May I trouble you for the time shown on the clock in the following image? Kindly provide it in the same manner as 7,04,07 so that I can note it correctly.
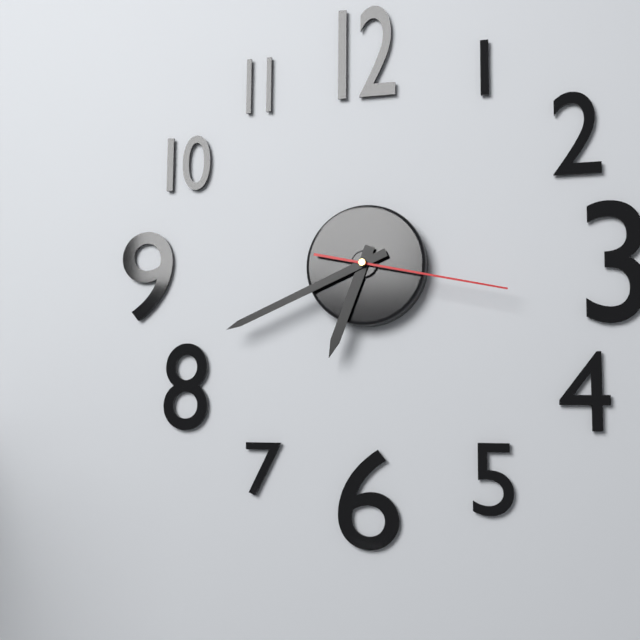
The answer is 6,41,17
